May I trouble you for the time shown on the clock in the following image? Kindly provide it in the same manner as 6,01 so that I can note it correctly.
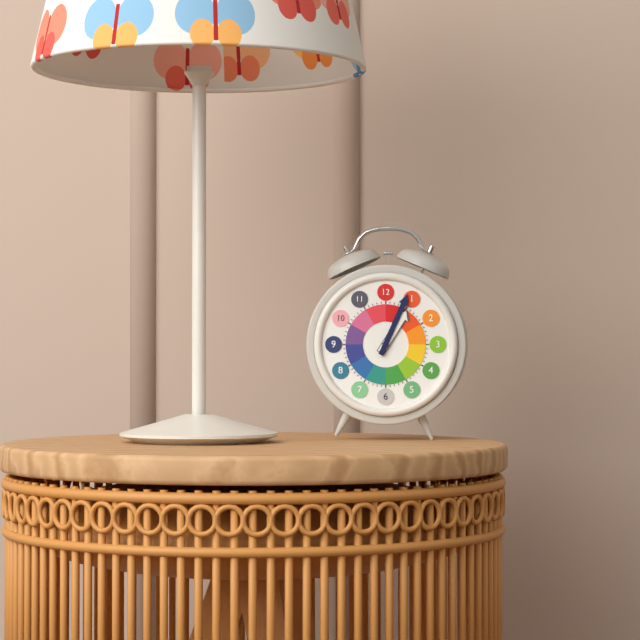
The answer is 1,04
